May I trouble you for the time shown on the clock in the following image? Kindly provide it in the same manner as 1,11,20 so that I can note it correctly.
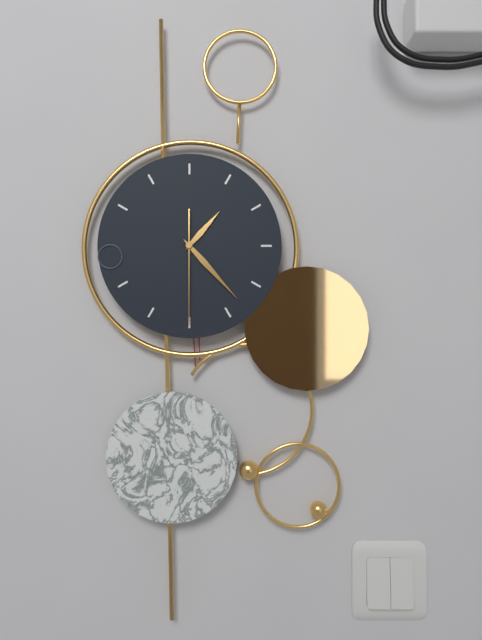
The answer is 1,23,30
